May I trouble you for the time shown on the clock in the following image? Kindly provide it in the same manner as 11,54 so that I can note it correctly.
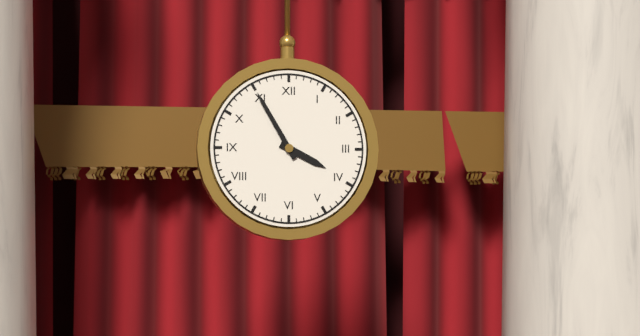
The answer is 3,55
